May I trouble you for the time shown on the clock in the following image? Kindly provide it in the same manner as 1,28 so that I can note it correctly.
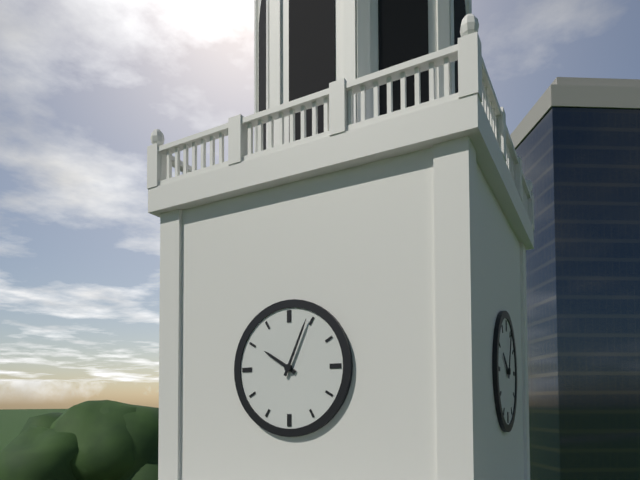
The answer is 10,04
